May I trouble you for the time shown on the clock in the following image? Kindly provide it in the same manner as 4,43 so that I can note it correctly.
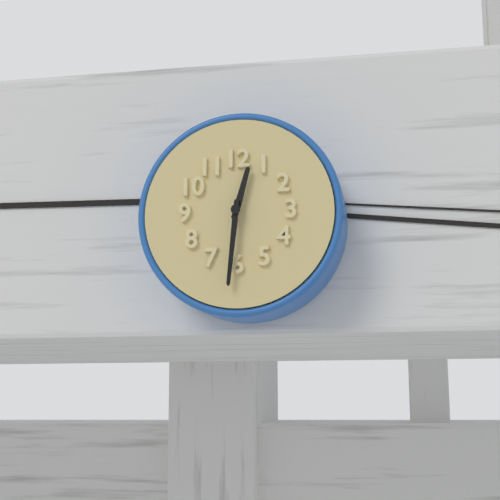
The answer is 12,31
